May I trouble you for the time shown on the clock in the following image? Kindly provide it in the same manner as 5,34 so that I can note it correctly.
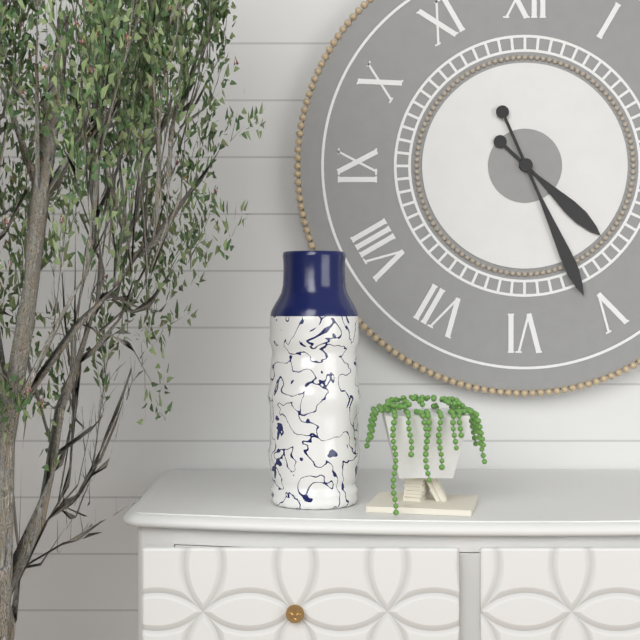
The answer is 4,26
